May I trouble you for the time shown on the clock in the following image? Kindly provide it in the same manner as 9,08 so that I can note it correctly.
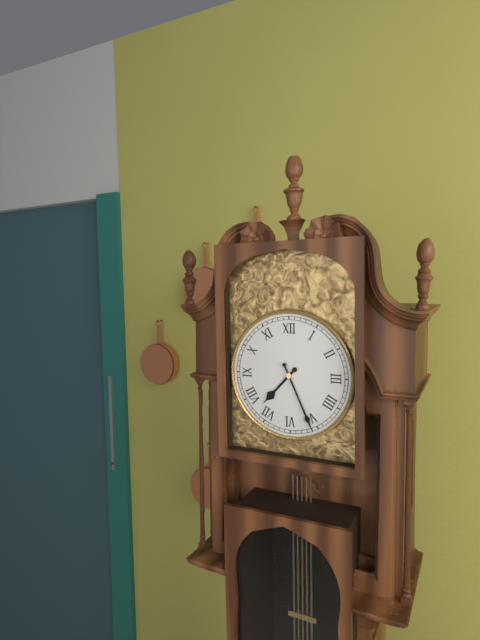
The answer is 7,26
